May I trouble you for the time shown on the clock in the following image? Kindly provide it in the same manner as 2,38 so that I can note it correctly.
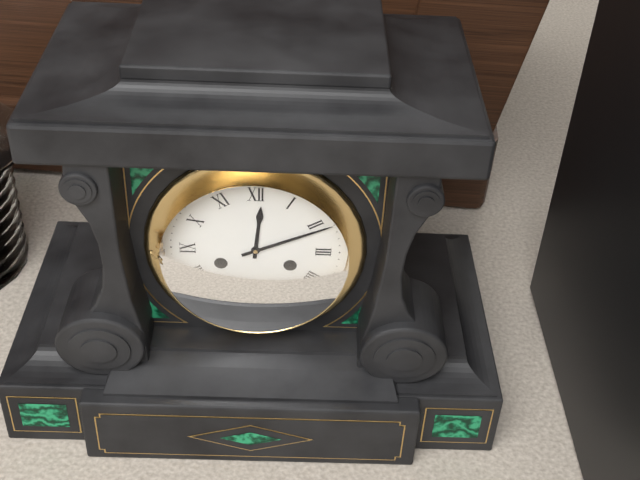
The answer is 12,11
